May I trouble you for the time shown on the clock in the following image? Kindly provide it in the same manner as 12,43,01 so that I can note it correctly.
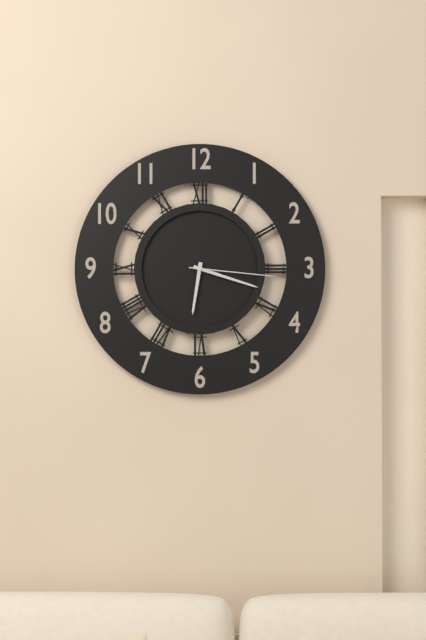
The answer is 6,18,16
